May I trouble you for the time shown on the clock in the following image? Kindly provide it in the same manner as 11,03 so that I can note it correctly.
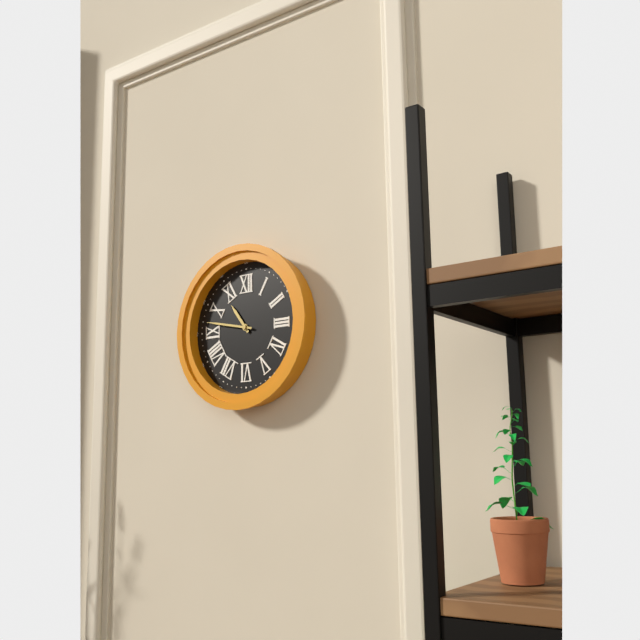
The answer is 10,47
